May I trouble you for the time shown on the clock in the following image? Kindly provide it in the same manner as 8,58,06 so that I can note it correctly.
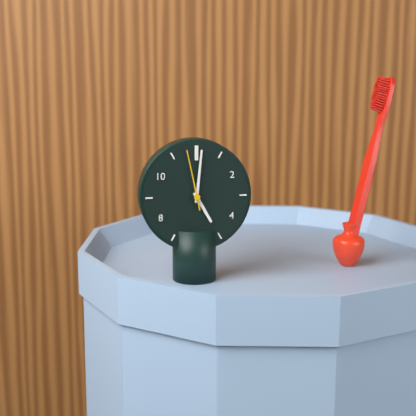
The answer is 5,01,58
